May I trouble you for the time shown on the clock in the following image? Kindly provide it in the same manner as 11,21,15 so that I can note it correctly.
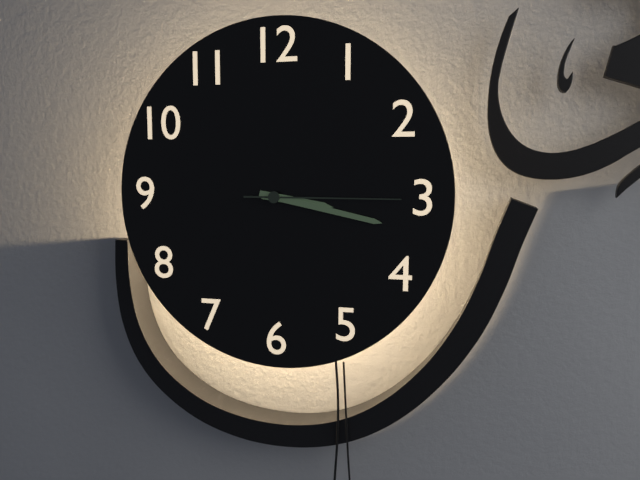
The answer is 3,17,15
